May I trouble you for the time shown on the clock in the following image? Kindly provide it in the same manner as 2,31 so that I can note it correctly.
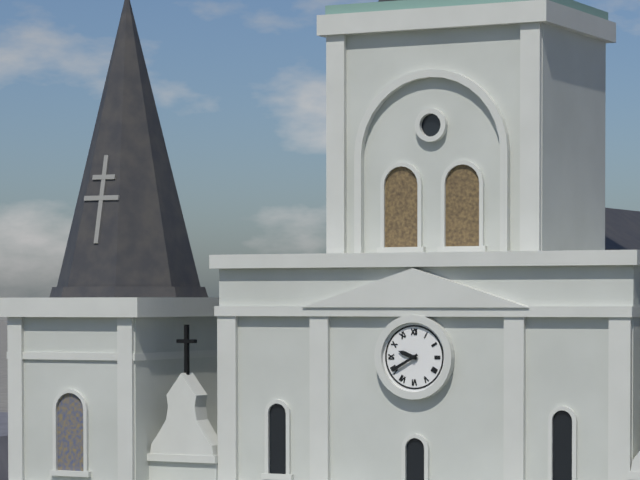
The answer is 9,40
